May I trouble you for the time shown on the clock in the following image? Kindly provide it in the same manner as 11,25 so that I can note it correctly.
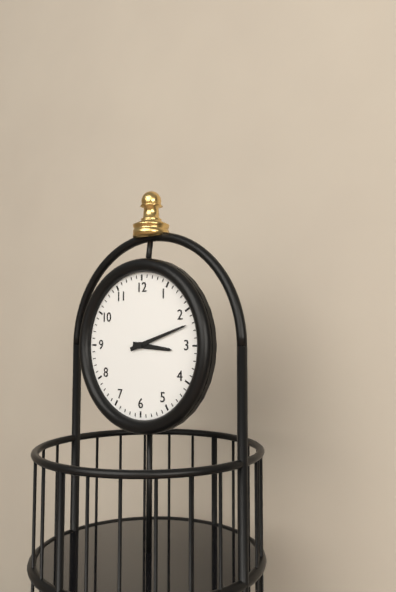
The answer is 3,12
